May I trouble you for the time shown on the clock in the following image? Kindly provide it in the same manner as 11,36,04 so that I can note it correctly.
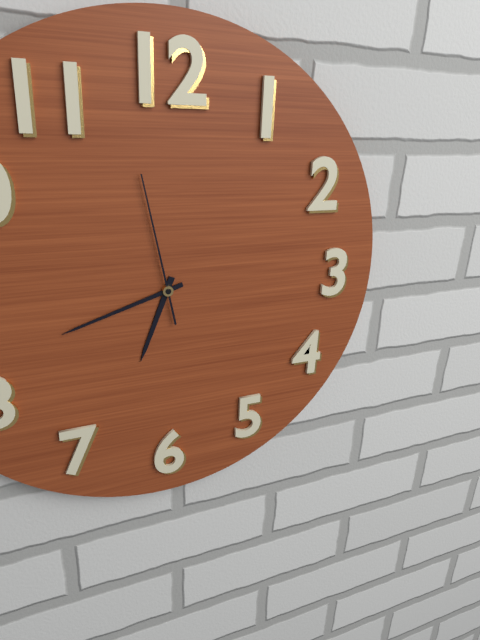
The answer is 6,42,58
